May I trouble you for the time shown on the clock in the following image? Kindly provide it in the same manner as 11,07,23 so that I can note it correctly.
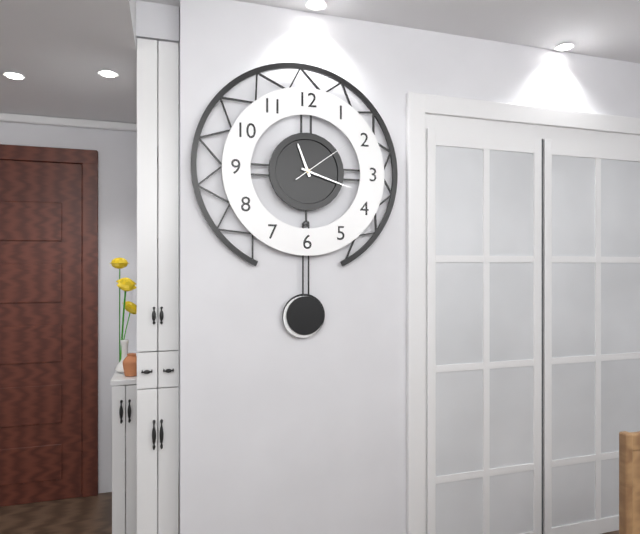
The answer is 11,18,09
